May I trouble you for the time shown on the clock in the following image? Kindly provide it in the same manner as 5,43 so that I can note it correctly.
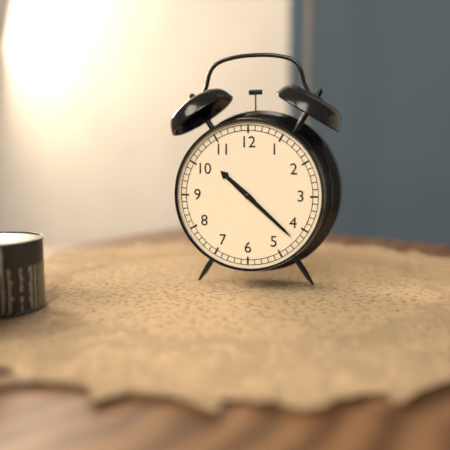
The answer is 10,22
